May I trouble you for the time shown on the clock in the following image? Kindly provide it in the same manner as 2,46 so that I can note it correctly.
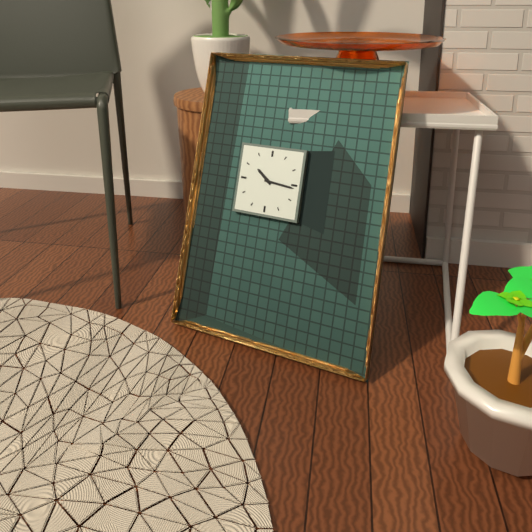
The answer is 10,16
